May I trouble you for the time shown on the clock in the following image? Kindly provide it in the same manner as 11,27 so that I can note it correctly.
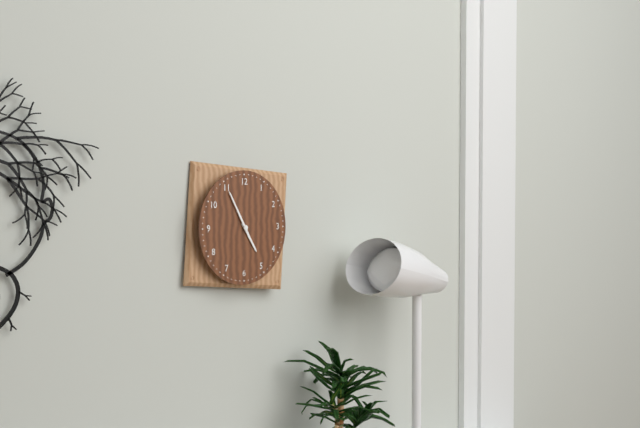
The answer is 4,55
